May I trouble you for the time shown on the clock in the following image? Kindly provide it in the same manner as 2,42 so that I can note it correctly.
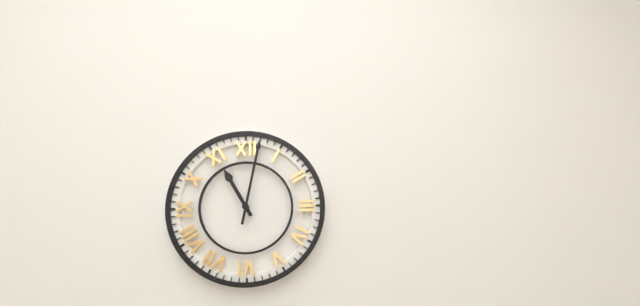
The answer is 11,02
